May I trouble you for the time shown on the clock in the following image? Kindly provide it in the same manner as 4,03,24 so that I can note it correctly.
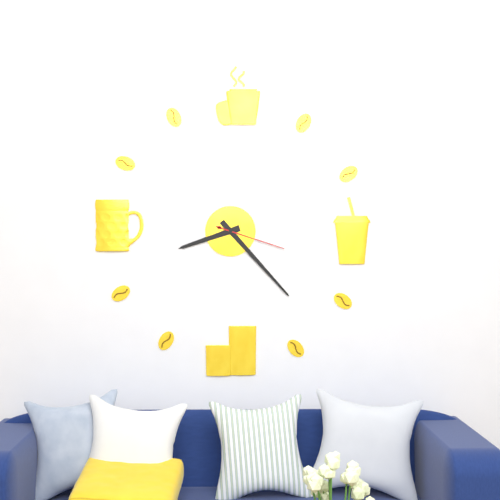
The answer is 8,23,18
